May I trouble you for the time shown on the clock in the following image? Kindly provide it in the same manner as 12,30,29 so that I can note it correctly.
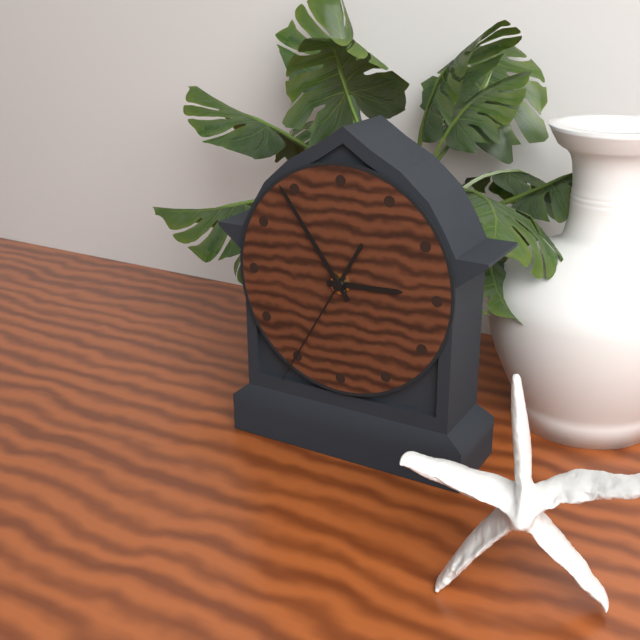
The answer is 2,54,35
